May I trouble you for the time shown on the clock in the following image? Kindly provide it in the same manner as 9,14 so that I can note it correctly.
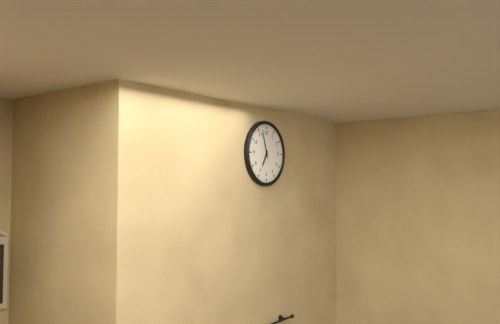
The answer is 6,57
